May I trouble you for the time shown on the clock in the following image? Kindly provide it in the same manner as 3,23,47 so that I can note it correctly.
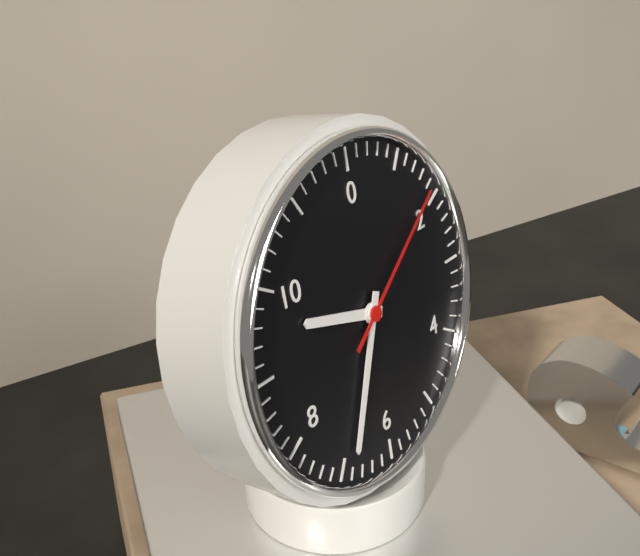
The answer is 9,34,09
